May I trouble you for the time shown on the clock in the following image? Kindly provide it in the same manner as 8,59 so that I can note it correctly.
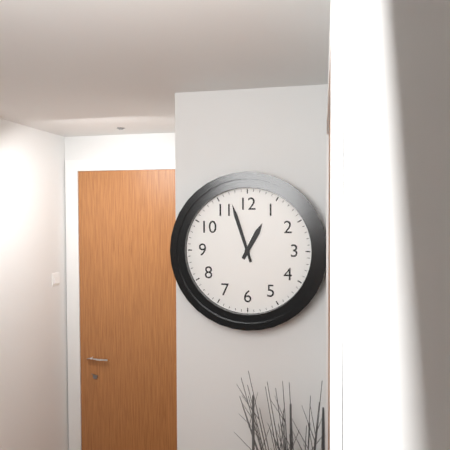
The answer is 12,57
